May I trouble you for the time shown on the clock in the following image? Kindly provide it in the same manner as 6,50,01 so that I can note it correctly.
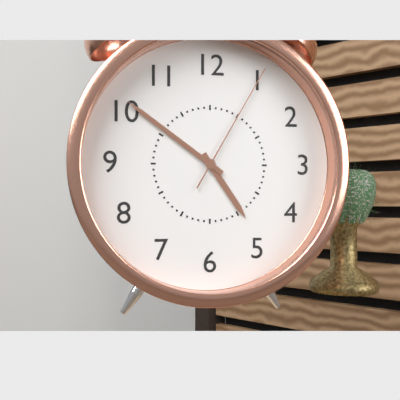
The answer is 4,51,05
